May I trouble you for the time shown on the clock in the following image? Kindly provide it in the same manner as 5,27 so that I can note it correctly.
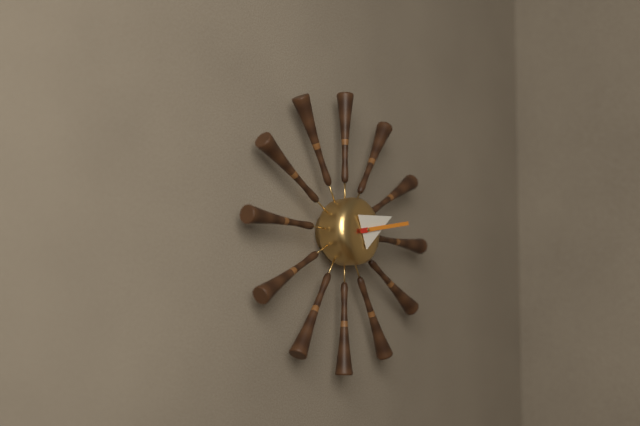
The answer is 2,13
